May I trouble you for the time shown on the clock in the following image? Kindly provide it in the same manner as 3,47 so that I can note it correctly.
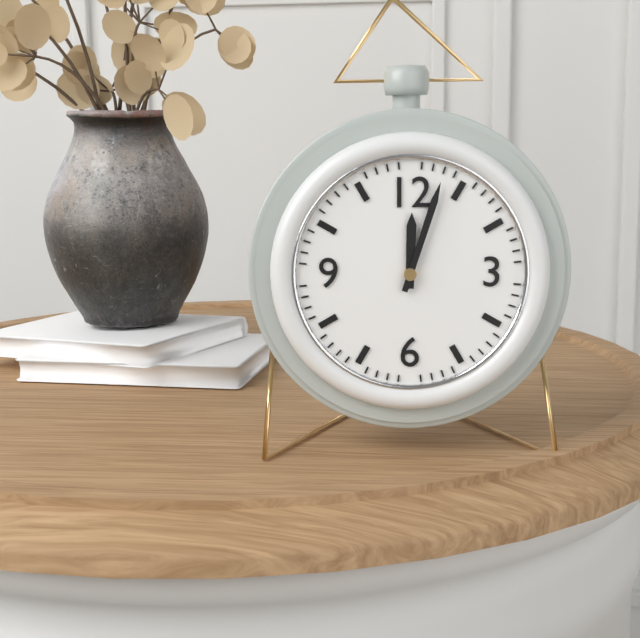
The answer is 12,03
